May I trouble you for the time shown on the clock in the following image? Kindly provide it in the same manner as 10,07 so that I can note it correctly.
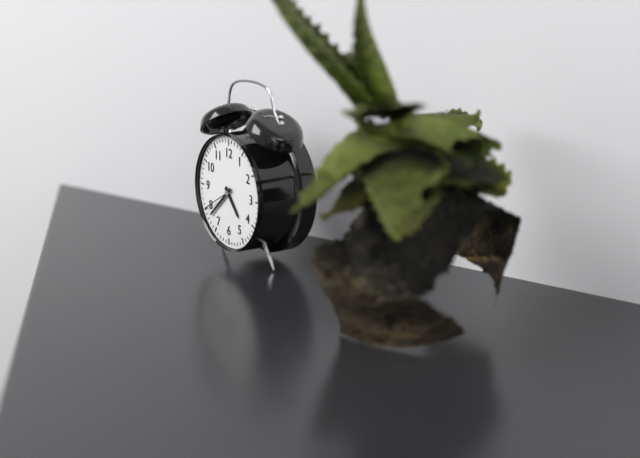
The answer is 4,38
